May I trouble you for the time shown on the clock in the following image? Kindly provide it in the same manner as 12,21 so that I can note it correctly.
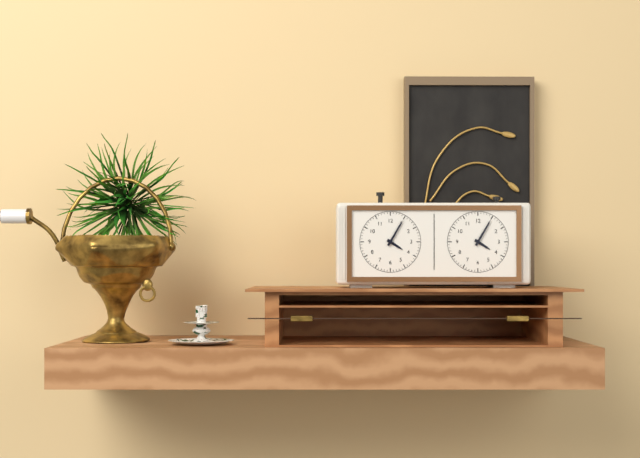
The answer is 4,05
